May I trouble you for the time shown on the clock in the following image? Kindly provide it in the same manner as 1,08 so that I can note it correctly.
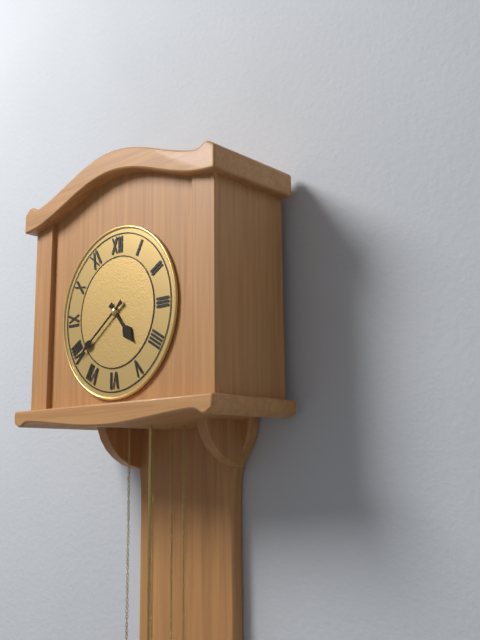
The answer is 4,39
